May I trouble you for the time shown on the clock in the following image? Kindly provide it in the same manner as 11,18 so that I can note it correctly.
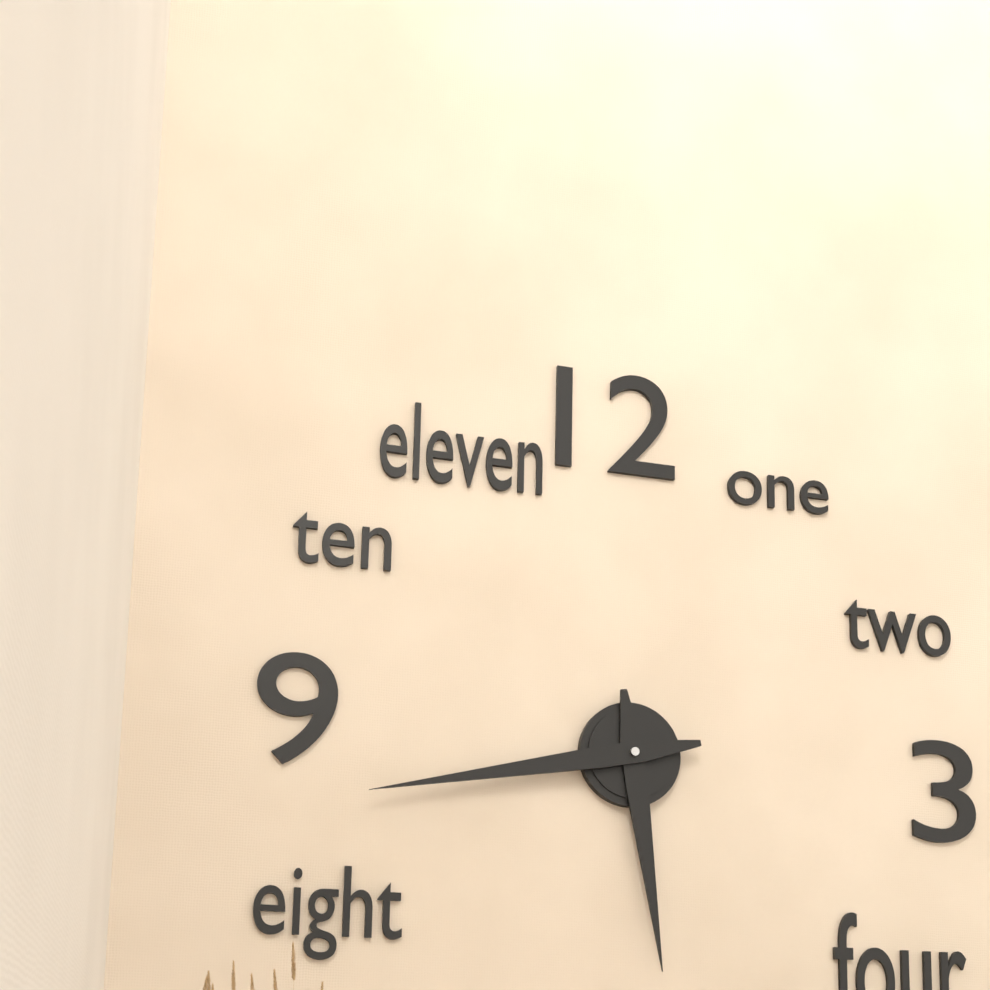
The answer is 5,43
